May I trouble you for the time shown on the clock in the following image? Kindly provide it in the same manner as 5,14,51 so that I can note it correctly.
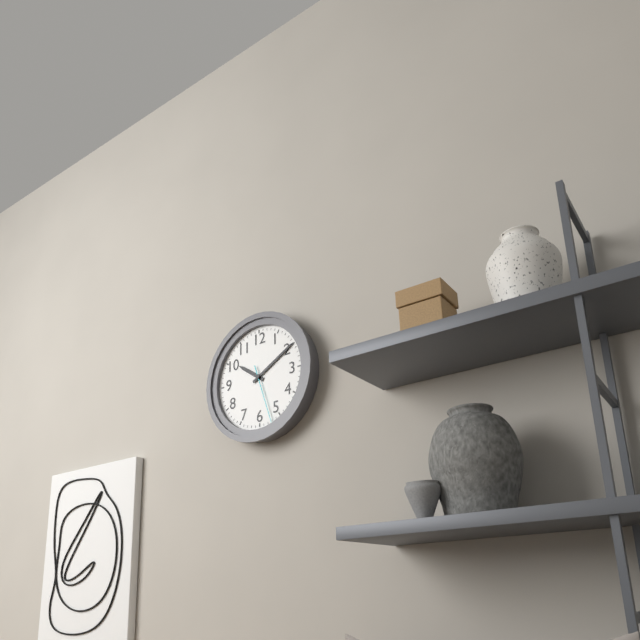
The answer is 10,10,27
